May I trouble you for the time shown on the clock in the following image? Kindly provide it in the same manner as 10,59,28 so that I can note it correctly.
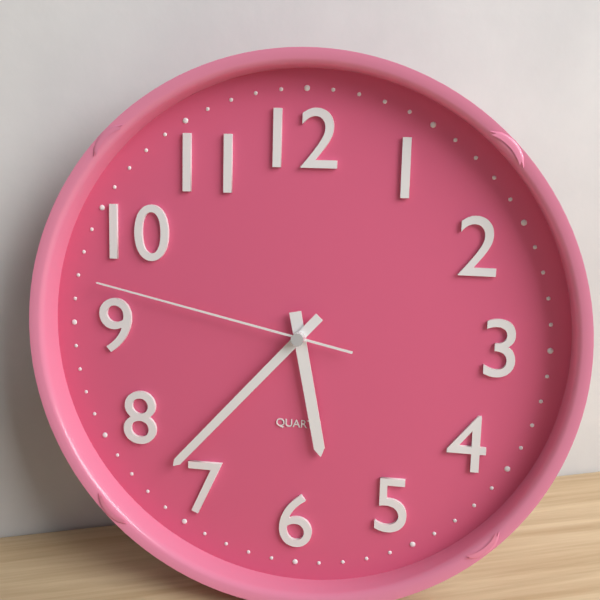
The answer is 5,37,47
